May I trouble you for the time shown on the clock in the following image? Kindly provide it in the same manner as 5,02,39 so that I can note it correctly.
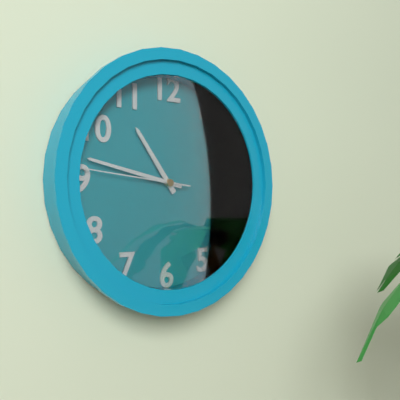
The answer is 10,47,46
